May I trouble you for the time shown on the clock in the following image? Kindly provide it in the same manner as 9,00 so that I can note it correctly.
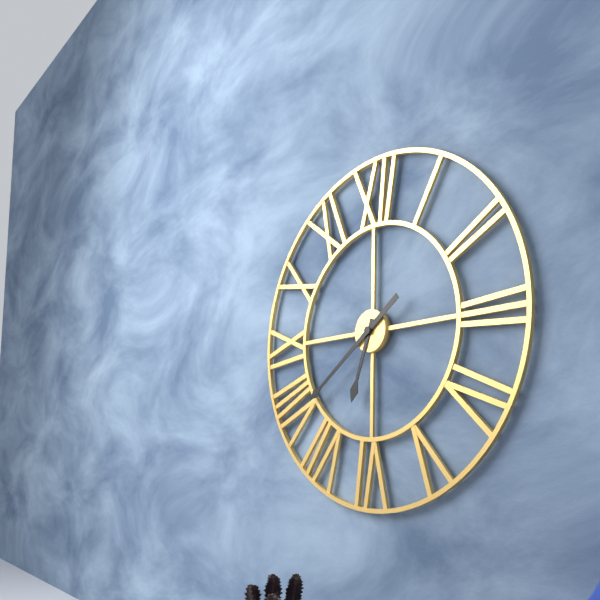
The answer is 6,39
